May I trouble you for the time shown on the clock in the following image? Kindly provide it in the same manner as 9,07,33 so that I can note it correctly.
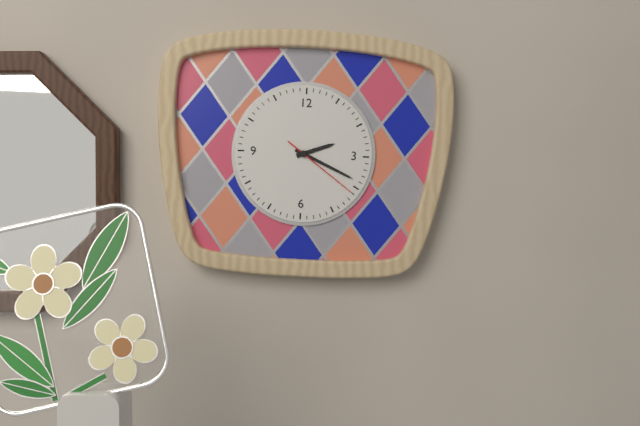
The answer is 2,19,21
